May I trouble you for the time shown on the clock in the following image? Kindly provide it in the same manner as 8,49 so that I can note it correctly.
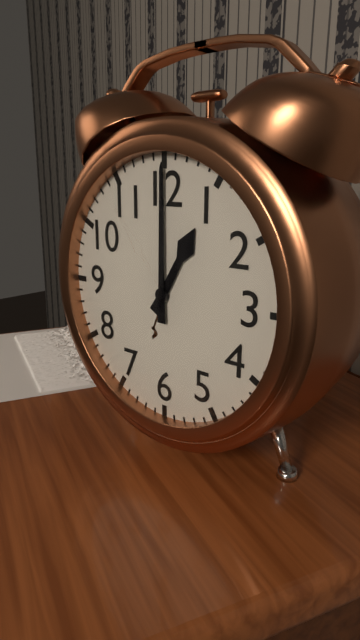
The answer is 1,00
